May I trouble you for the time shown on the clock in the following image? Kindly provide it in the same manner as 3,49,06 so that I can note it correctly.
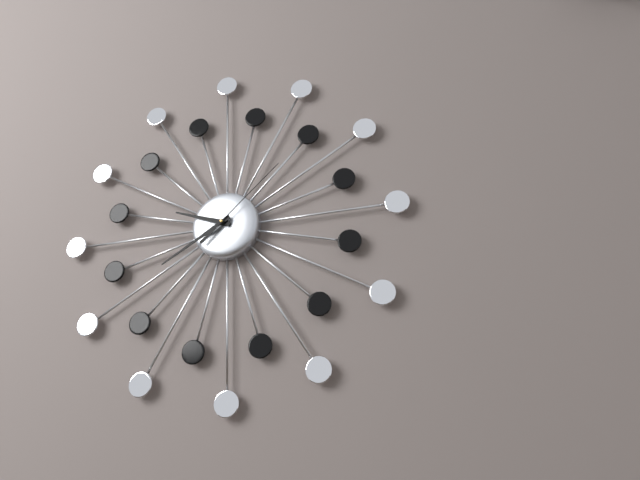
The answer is 9,40,08
